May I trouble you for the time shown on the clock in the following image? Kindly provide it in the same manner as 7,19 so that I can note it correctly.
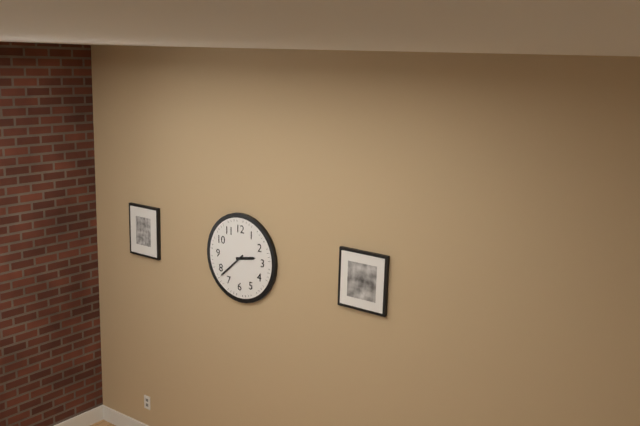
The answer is 2,38
